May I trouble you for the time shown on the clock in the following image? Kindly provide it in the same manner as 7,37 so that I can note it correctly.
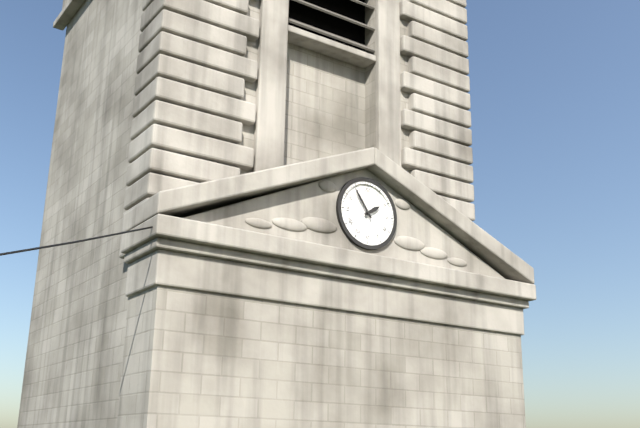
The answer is 1,54
